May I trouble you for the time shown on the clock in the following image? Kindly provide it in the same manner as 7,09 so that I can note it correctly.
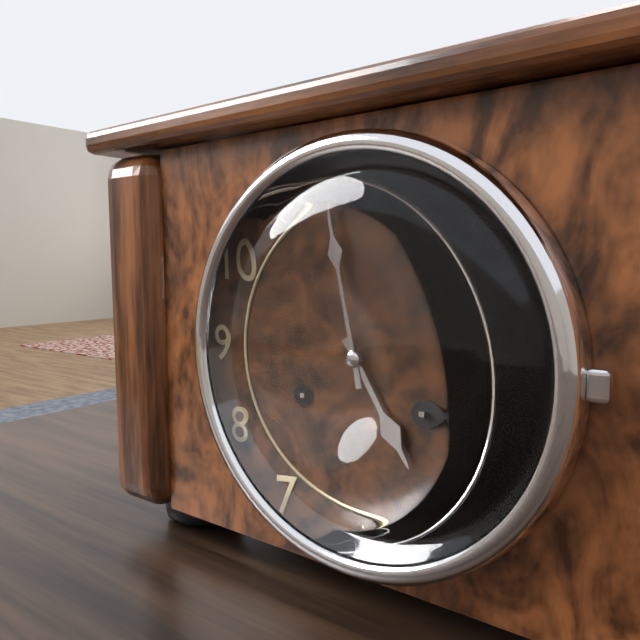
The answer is 4,58
